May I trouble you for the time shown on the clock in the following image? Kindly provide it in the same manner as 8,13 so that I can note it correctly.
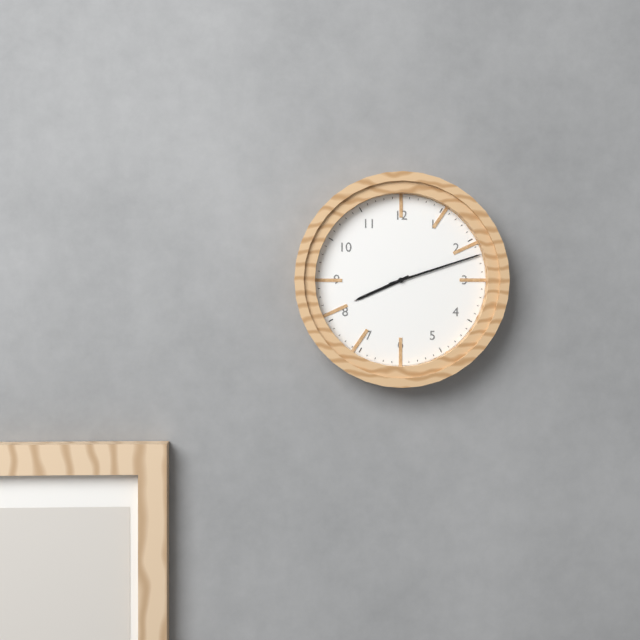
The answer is 8,12
